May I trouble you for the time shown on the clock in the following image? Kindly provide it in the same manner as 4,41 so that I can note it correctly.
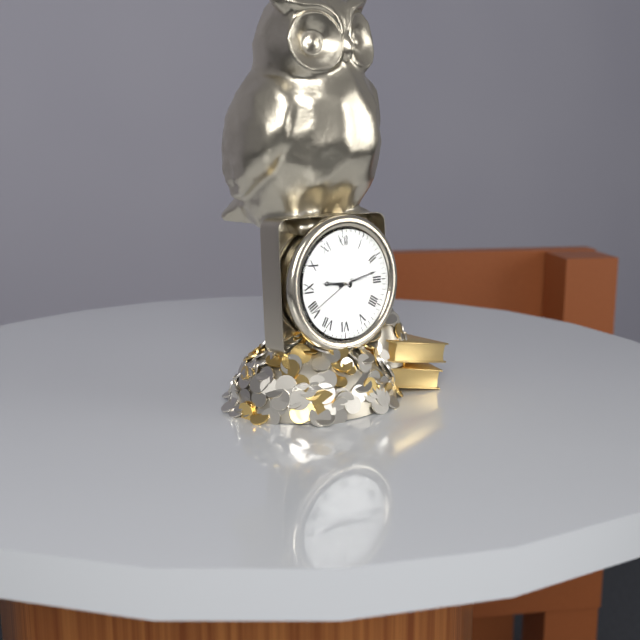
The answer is 9,13
